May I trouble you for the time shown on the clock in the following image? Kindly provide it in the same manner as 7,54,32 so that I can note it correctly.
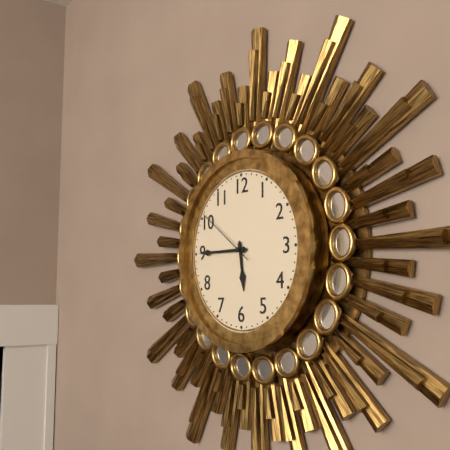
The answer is 5,45,51
